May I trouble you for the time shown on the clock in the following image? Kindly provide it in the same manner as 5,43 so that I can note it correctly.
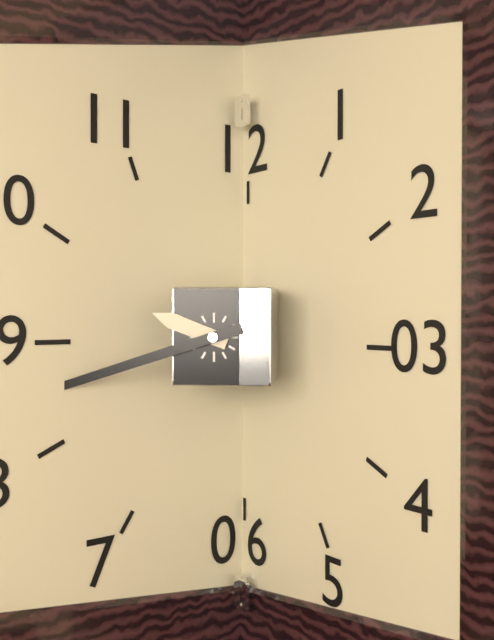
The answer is 9,42
